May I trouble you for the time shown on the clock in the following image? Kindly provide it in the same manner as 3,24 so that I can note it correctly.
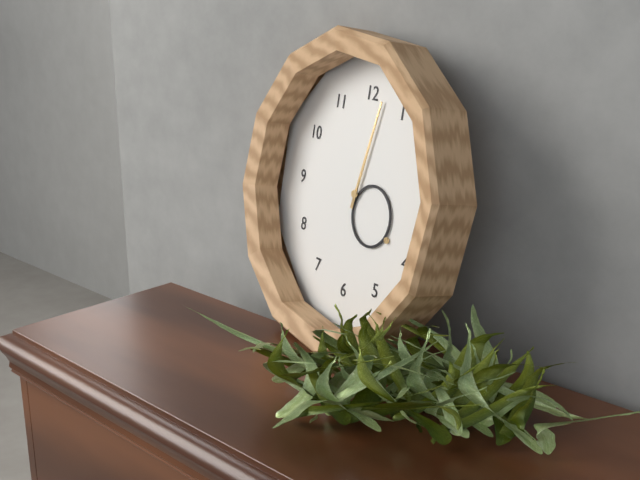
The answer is 4,02
